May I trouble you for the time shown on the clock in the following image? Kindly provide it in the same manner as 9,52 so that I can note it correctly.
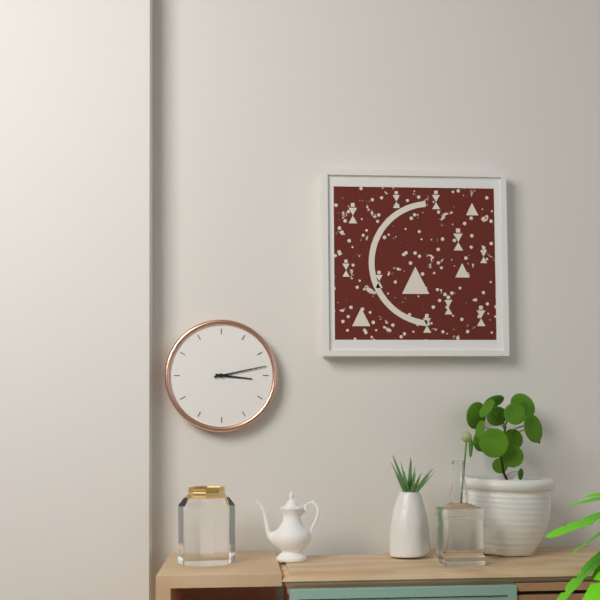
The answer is 3,13
